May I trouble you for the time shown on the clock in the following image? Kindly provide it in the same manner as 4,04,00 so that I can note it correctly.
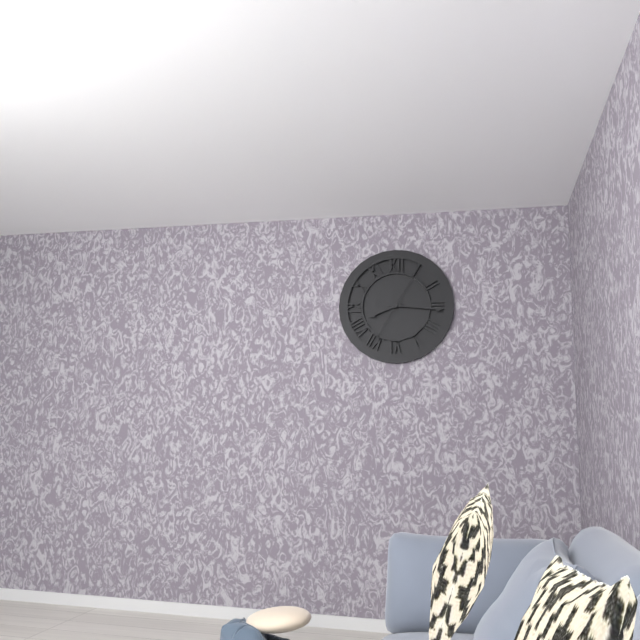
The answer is 8,16,05
